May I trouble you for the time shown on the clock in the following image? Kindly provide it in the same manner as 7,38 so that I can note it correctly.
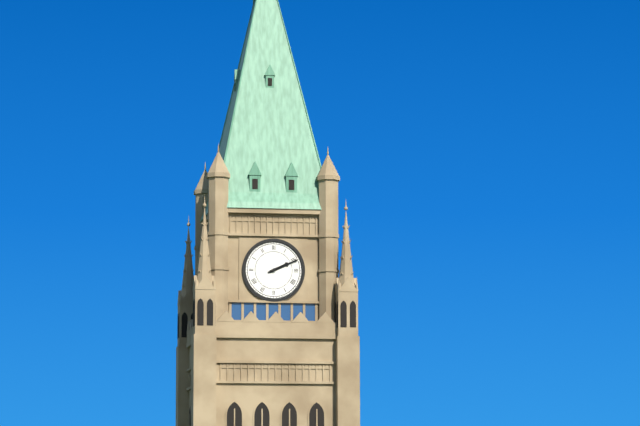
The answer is 2,11
